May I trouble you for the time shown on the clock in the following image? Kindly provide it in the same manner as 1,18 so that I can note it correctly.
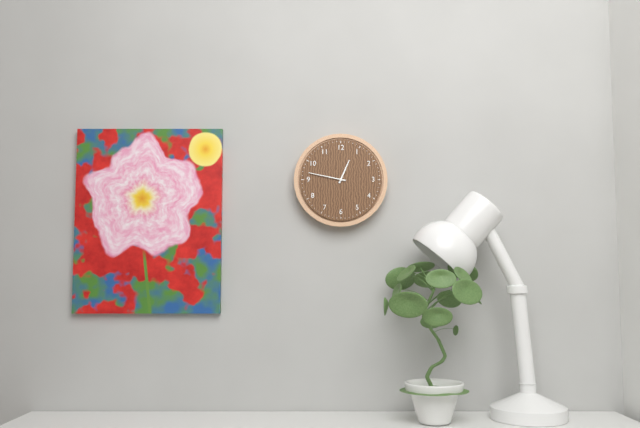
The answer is 12,47
